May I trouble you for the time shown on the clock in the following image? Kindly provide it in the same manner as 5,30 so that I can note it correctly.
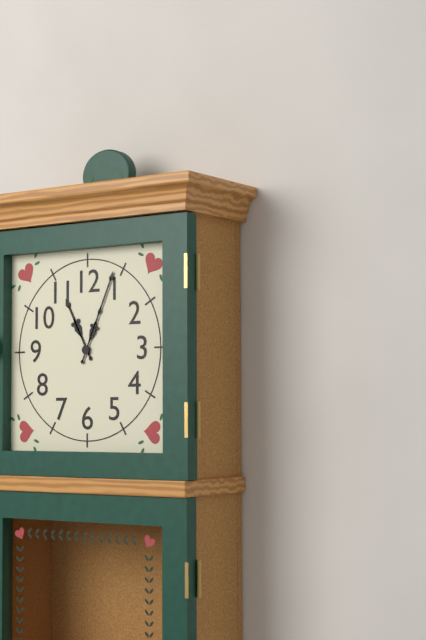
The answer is 11,04
